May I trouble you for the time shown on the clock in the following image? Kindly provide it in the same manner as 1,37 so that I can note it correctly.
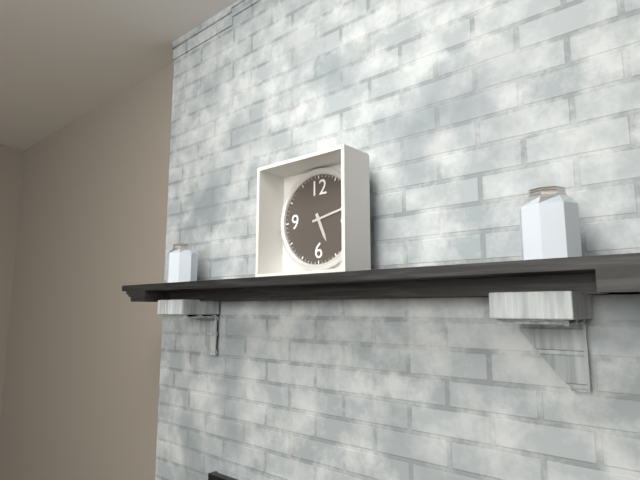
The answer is 5,13
